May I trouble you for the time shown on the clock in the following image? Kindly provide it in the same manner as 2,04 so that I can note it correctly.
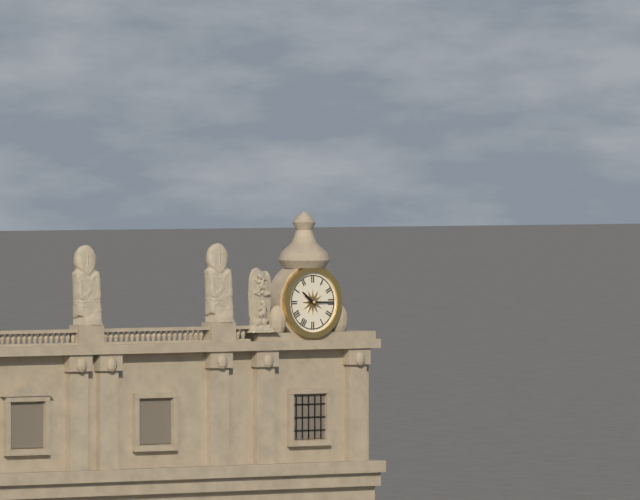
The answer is 10,15
